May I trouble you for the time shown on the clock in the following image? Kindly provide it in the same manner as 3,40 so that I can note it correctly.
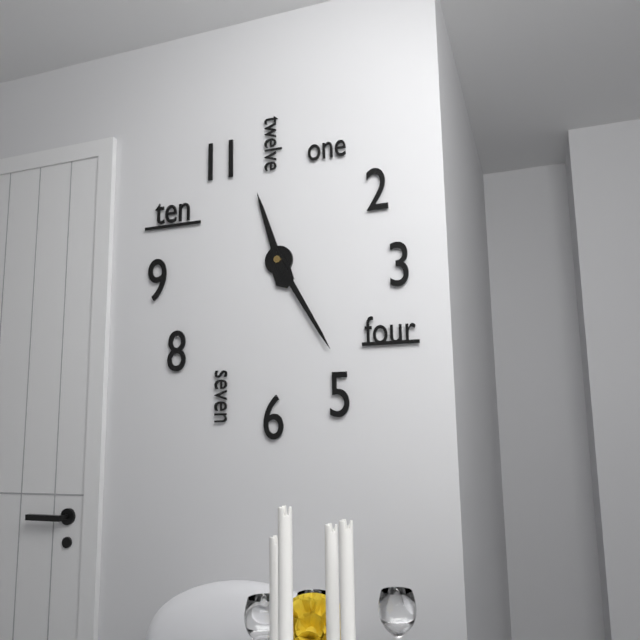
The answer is 11,25
